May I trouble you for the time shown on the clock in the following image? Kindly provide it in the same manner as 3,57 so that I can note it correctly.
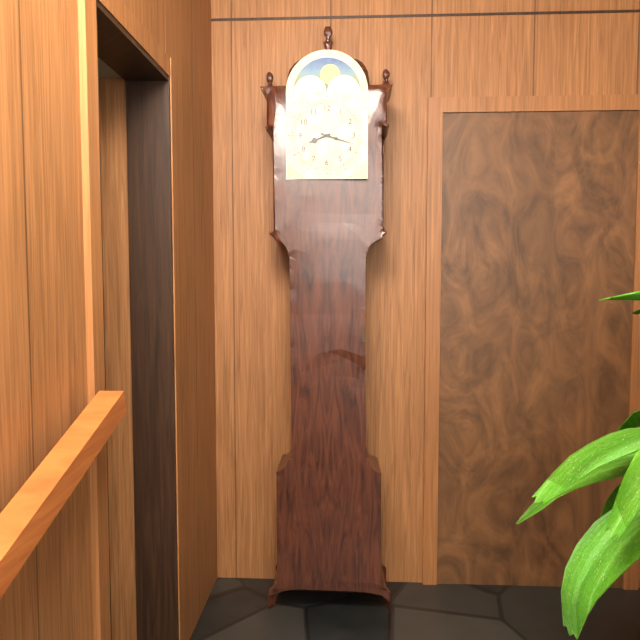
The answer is 8,18
